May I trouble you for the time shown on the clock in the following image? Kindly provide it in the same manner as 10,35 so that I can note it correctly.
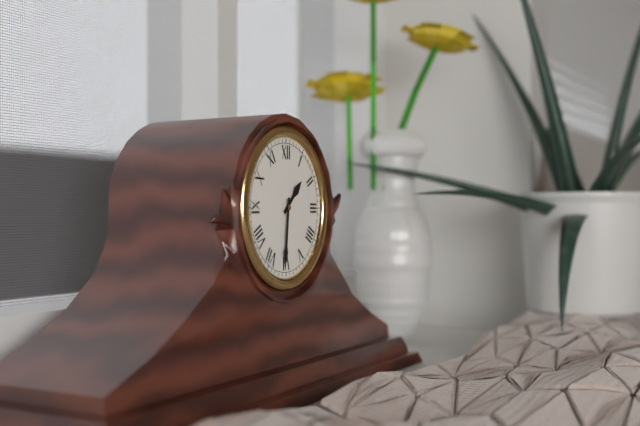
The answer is 1,31
